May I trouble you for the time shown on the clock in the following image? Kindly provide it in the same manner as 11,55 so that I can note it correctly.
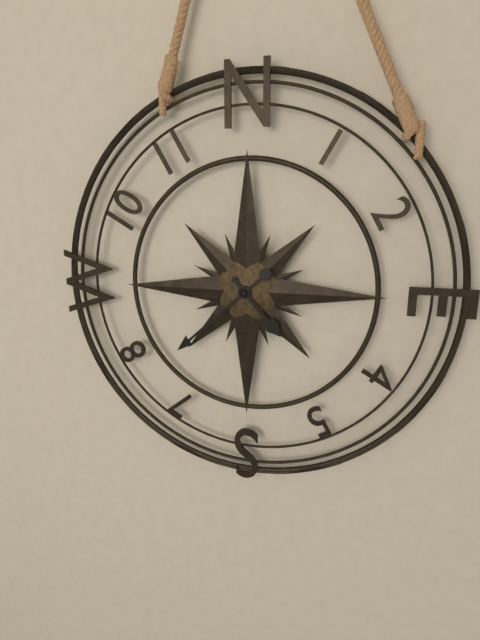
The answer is 4,38
